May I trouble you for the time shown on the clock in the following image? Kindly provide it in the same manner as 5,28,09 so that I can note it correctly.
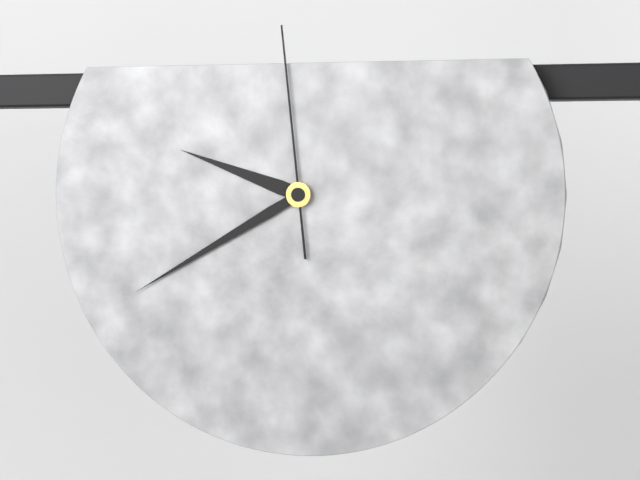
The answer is 9,40,59
